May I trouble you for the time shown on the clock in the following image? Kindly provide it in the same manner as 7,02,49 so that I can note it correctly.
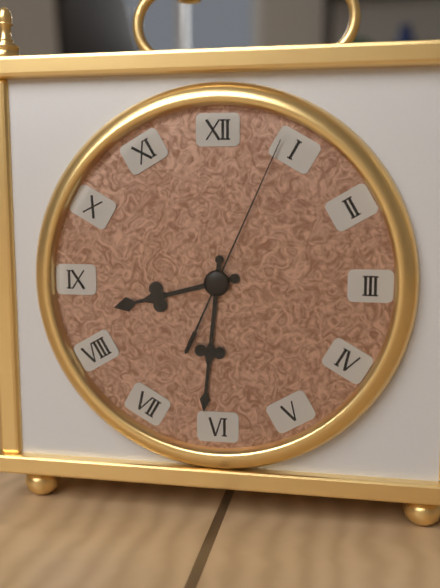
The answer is 8,31,04
